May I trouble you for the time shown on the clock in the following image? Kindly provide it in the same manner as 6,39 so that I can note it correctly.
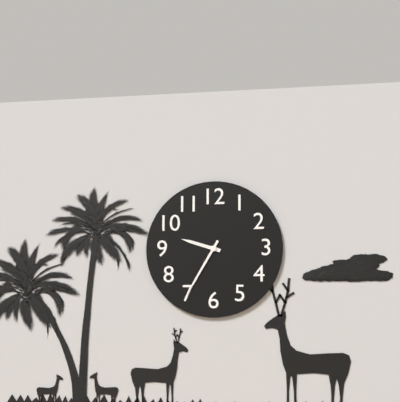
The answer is 9,35
